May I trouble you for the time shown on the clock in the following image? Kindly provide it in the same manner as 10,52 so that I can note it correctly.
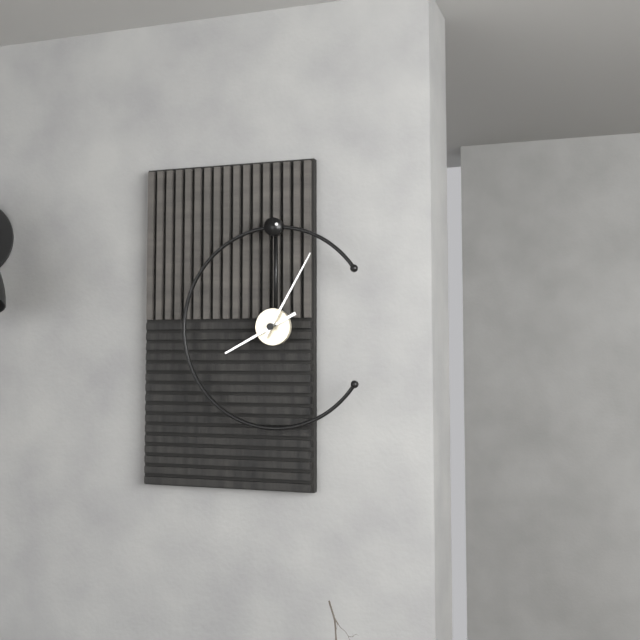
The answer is 8,05
